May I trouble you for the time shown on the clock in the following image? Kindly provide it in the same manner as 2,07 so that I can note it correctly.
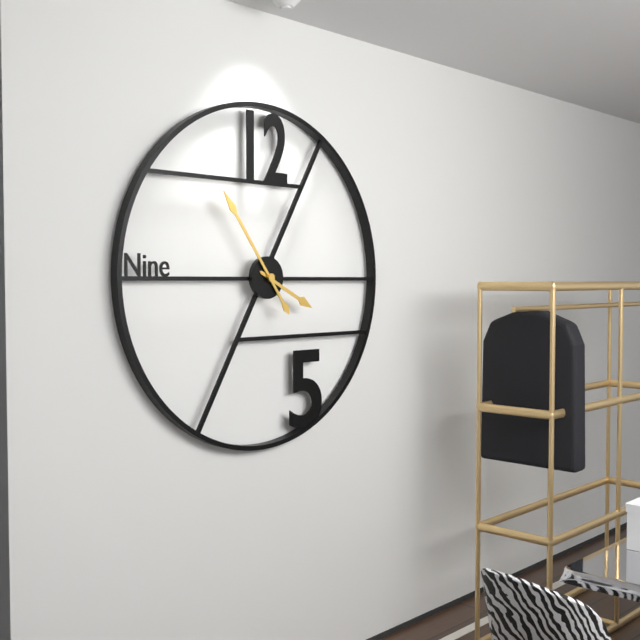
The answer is 3,54
